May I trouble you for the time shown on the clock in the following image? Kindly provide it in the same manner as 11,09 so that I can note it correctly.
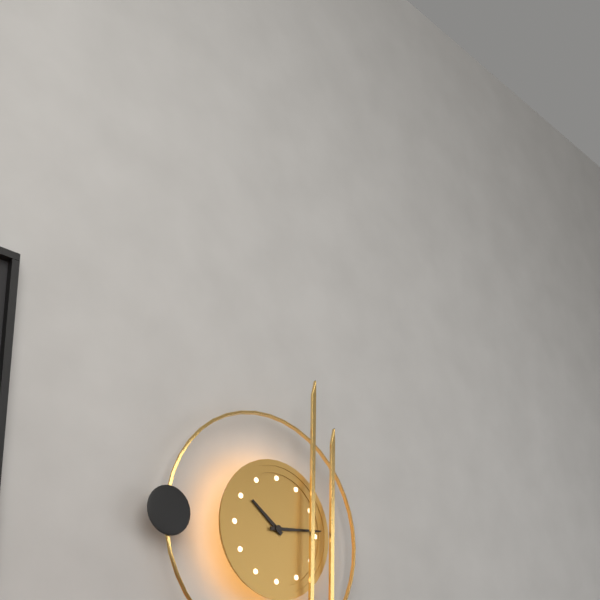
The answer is 10,14
